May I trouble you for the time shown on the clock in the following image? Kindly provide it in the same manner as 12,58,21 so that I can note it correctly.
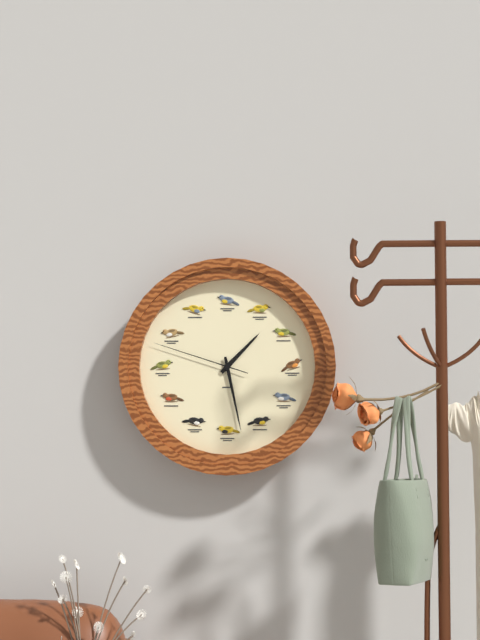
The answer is 1,28,48
